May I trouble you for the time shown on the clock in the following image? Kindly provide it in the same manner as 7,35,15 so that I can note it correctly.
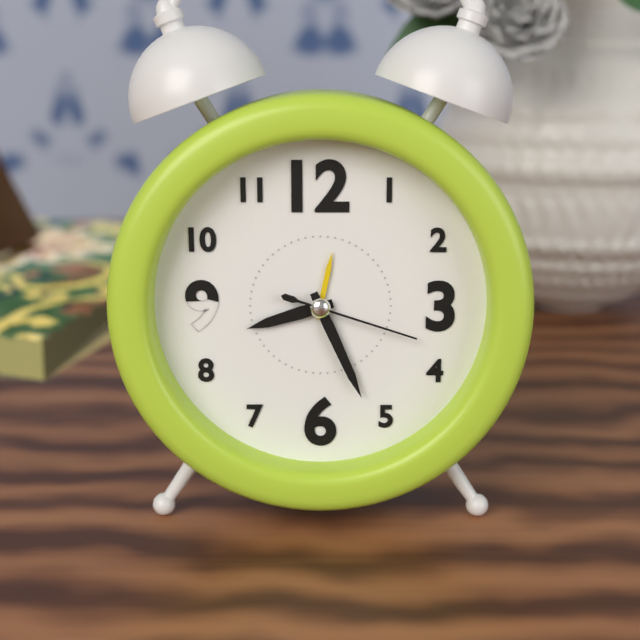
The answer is 8,26,18
